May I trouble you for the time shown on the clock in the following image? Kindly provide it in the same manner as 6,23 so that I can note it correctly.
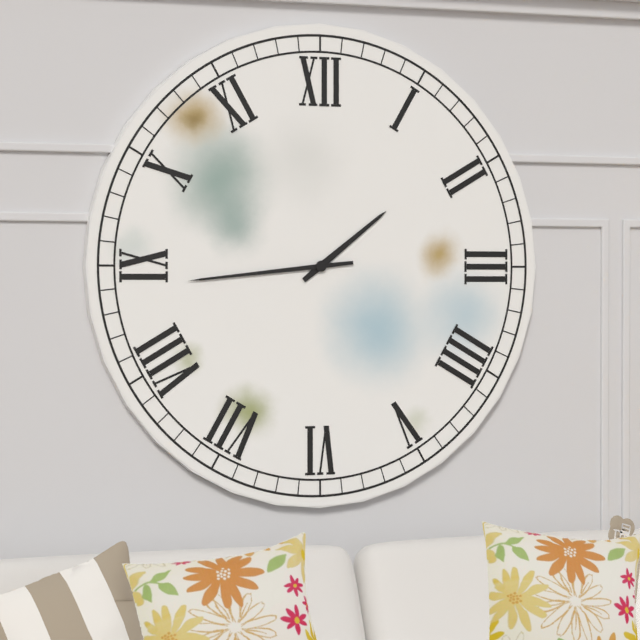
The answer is 1,44
